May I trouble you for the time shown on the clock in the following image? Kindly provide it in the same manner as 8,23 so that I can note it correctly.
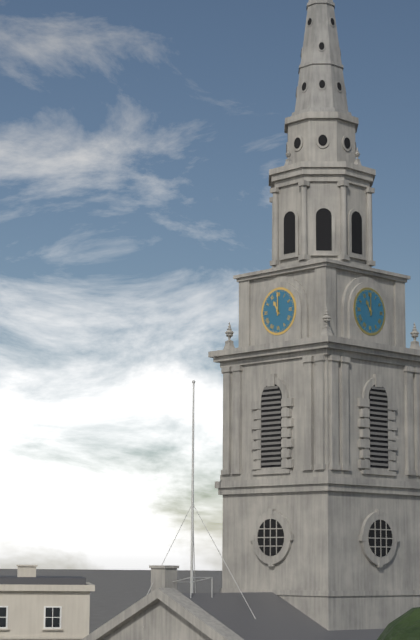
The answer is 11,00
